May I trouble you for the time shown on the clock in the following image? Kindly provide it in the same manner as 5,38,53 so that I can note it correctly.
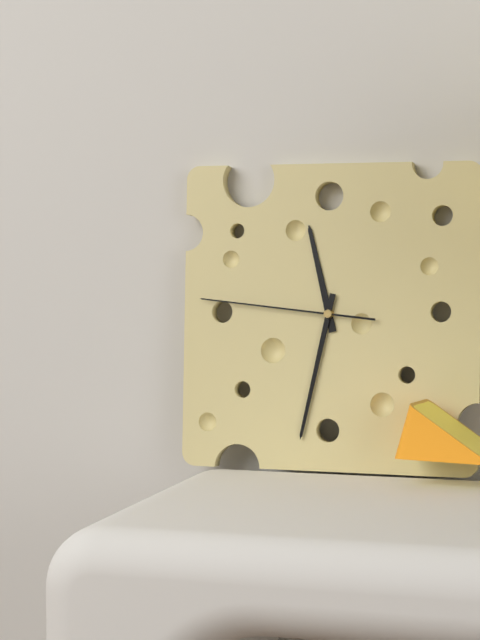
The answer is 11,32,46
